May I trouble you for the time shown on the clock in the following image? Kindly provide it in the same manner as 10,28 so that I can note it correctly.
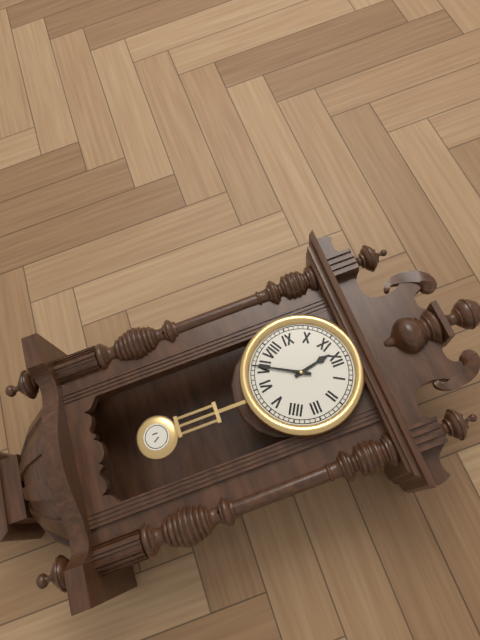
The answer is 11,35
